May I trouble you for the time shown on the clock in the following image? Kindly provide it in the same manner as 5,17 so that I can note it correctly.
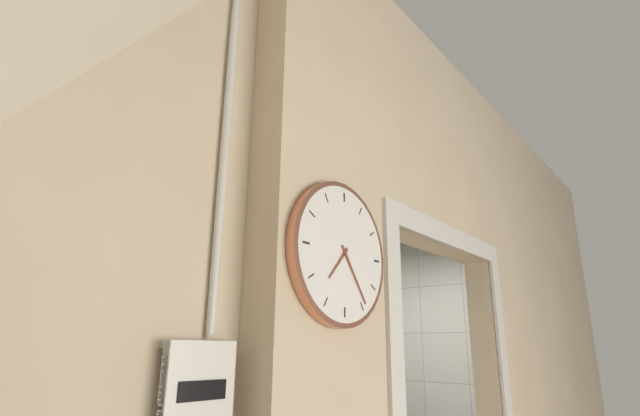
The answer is 7,24
